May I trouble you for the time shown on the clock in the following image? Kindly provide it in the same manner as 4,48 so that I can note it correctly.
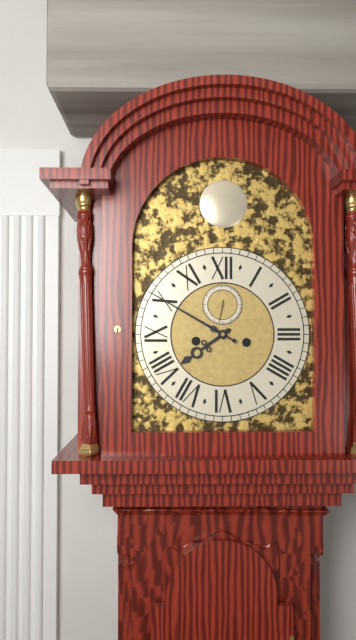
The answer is 7,50
